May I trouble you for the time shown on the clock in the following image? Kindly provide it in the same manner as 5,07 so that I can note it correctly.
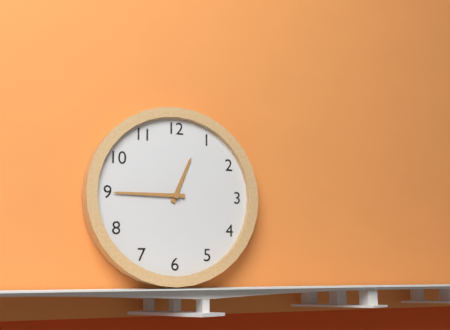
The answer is 12,45
